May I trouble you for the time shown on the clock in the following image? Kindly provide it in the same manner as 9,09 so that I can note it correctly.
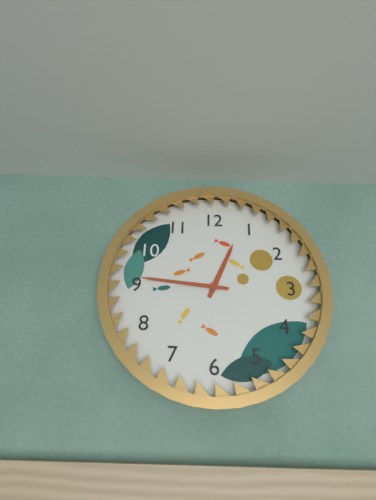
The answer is 12,46
